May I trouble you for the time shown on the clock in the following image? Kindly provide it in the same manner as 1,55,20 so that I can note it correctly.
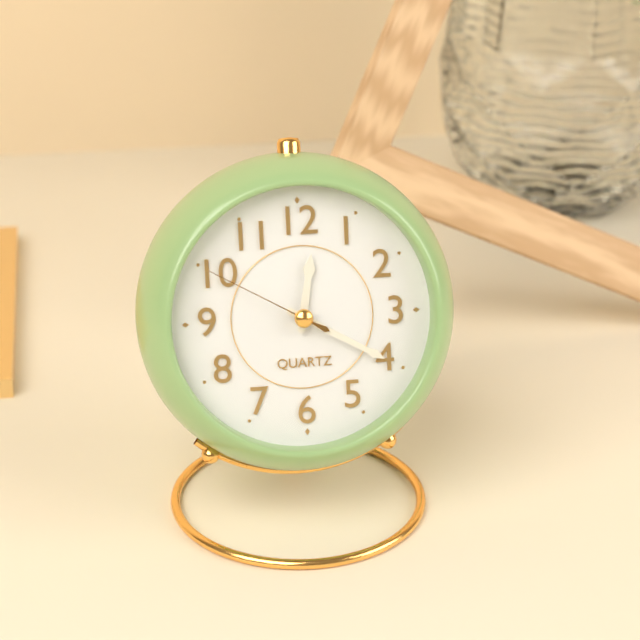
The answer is 12,20,50
